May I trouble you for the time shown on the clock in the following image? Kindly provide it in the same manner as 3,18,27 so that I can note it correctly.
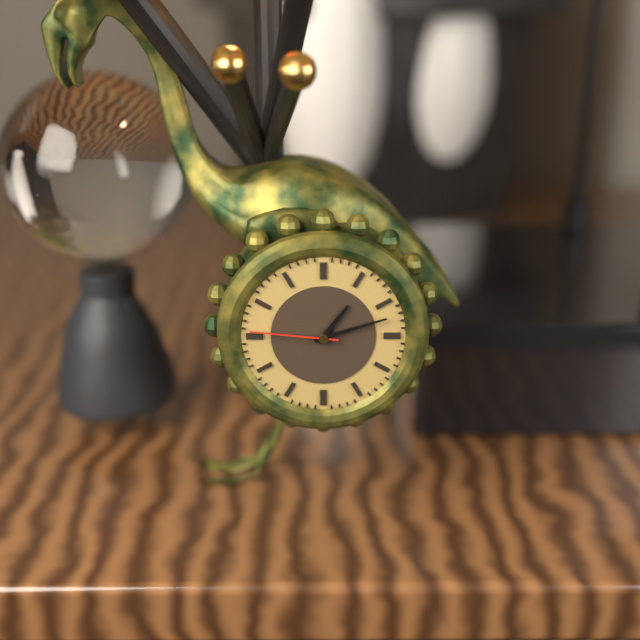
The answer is 1,12,46
